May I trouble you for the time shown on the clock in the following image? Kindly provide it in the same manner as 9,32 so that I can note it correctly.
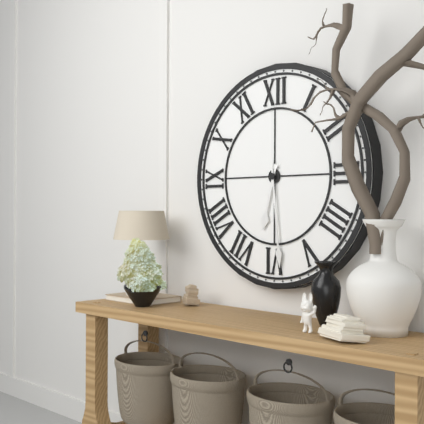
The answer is 6,29
